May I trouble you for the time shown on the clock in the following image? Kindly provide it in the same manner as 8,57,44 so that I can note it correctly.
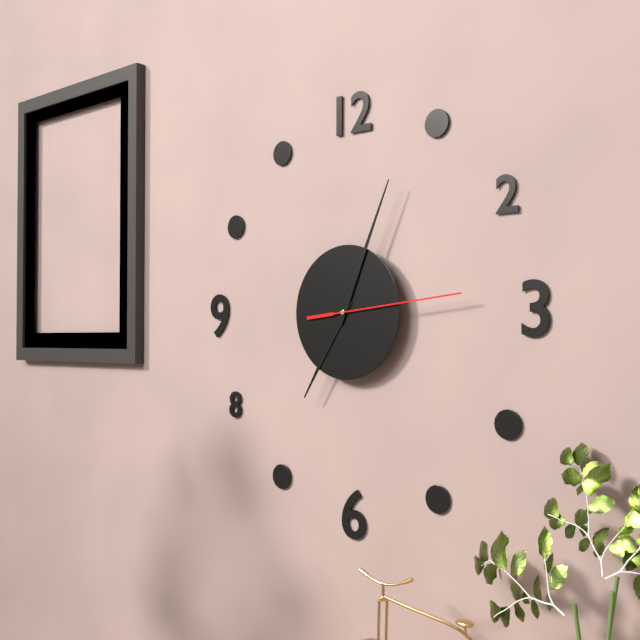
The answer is 7,04,14
